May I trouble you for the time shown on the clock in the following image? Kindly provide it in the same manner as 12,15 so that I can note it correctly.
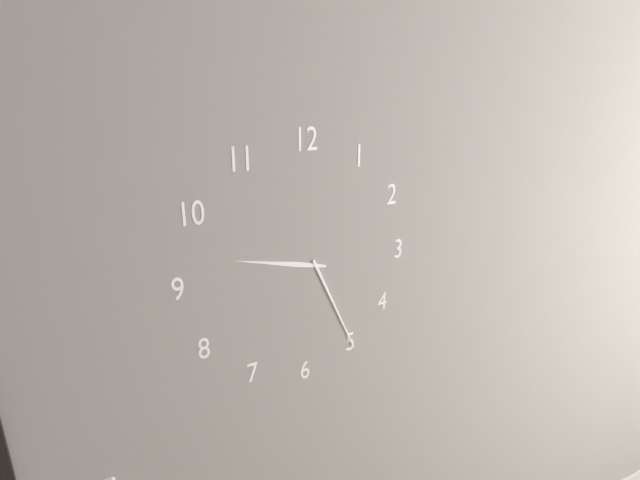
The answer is 9,26
